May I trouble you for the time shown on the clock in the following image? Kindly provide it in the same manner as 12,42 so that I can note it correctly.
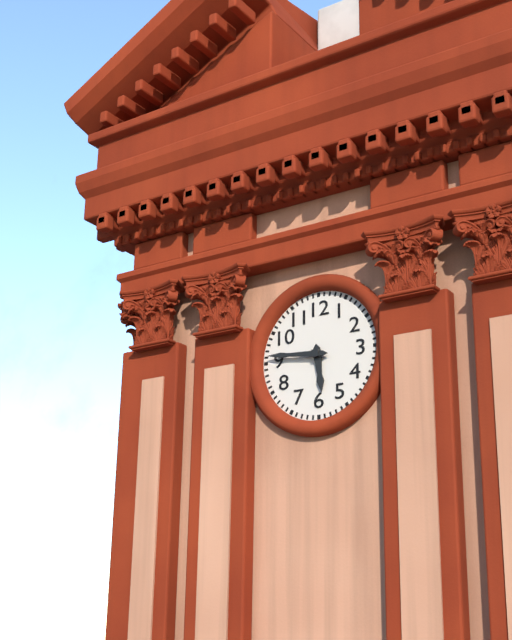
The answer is 5,46
